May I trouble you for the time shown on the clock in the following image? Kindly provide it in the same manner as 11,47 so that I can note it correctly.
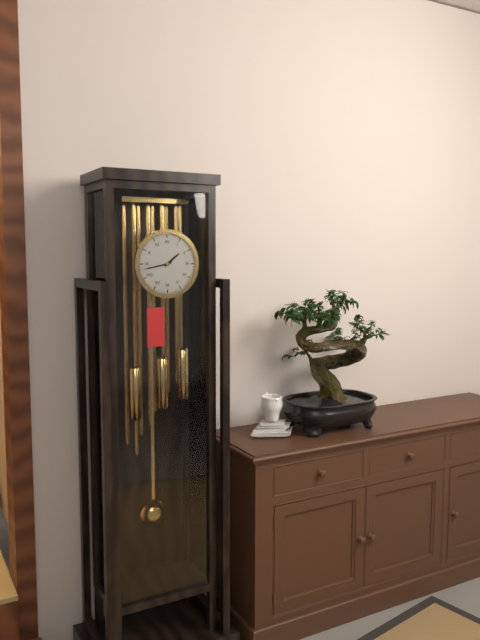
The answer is 1,43
